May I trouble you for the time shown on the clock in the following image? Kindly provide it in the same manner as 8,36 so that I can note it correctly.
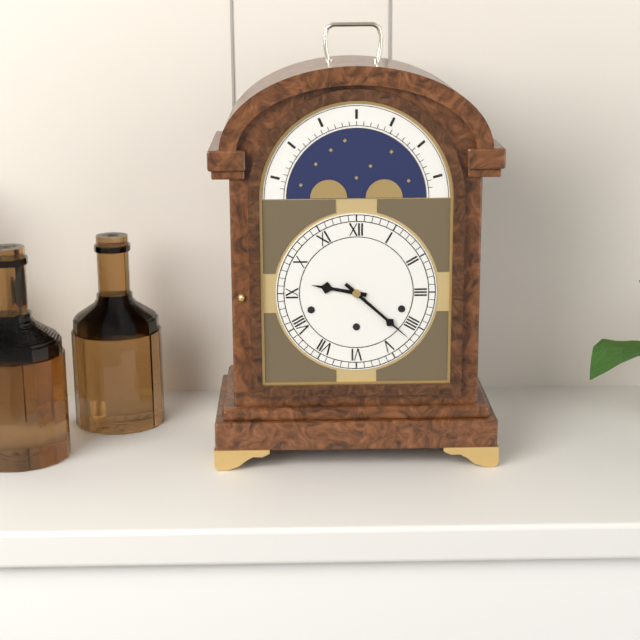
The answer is 9,22
